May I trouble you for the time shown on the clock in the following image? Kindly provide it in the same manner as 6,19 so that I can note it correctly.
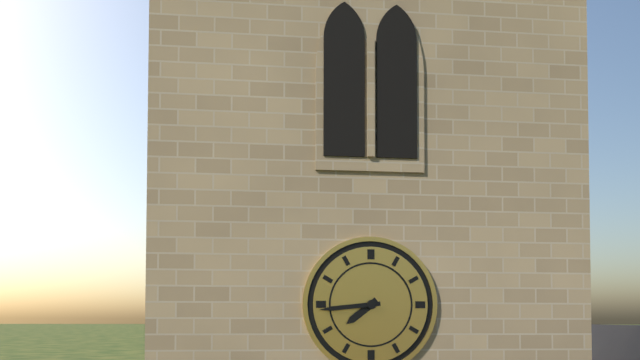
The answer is 7,44
